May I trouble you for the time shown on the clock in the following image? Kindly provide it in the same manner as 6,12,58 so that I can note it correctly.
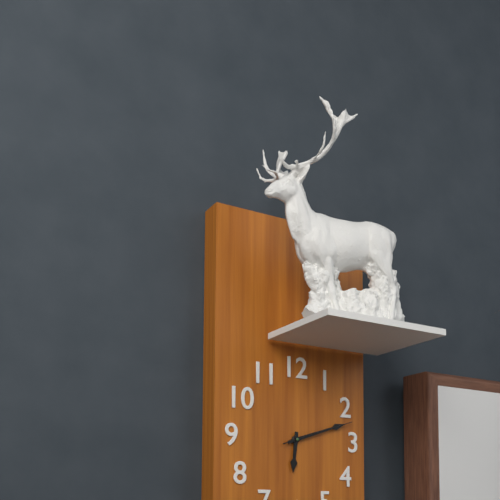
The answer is 6,12,12
